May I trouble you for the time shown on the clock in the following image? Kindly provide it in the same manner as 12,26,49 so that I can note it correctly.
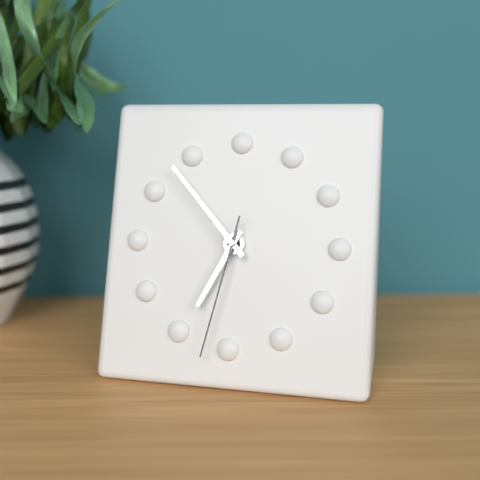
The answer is 6,53,32
